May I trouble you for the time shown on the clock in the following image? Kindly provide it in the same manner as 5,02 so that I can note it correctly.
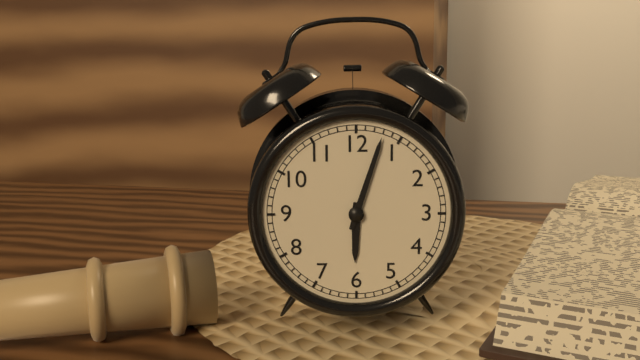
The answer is 6,03
